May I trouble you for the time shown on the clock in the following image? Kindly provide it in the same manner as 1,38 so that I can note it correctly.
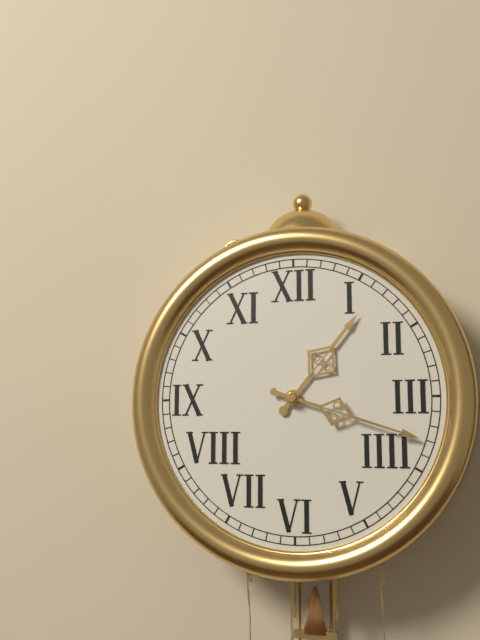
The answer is 1,18
